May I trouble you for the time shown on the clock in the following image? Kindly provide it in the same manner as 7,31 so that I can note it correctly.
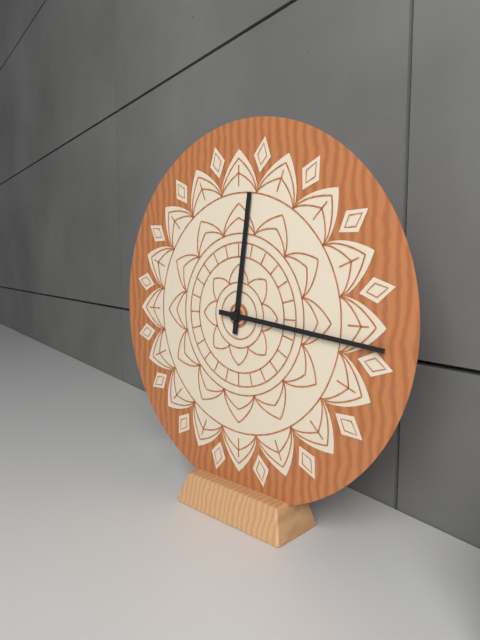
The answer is 12,16
